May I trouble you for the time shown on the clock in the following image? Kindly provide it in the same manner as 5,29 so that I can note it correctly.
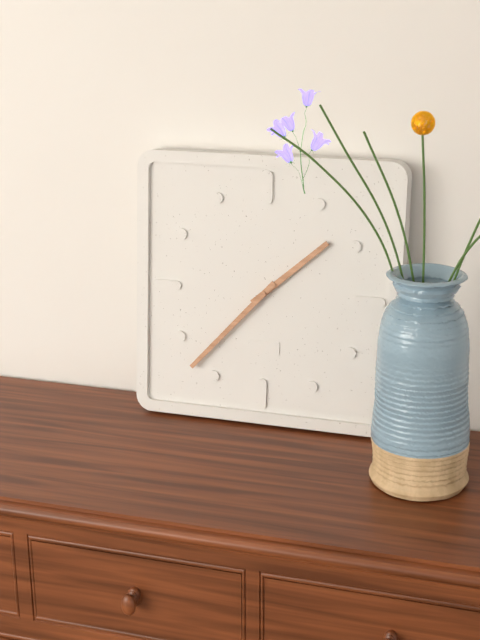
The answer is 1,37
